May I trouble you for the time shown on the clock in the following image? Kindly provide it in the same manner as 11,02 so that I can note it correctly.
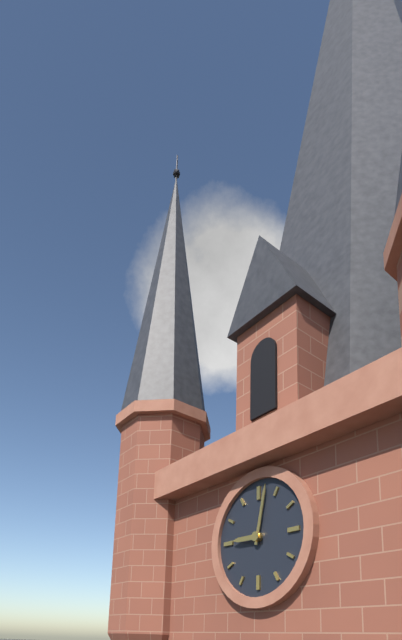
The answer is 9,02
